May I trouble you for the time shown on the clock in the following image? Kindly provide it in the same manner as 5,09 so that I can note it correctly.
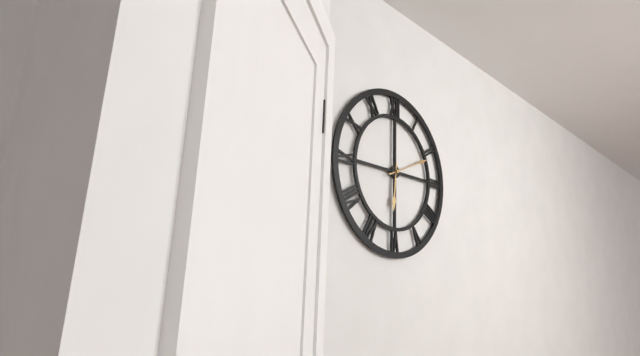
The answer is 6,11
